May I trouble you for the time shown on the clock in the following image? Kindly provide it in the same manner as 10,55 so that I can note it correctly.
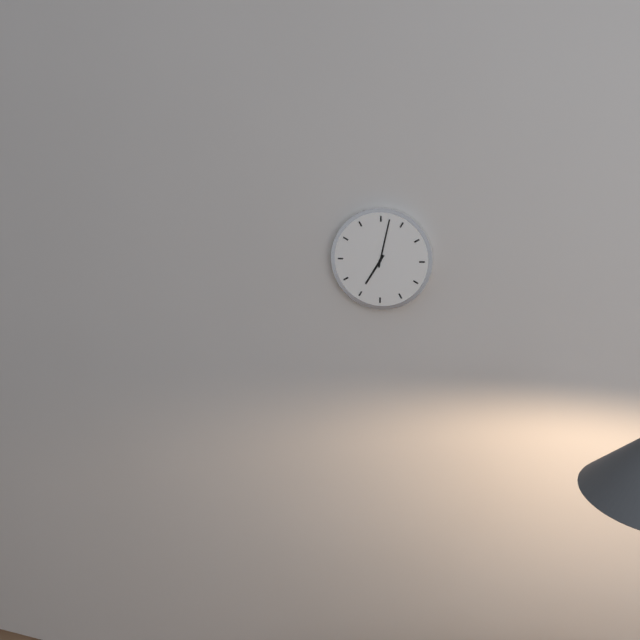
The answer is 7,02
